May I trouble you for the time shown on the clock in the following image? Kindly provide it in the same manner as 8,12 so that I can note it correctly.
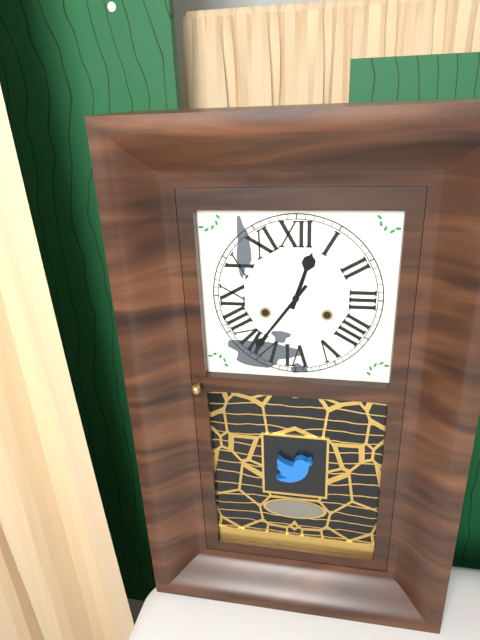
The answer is 12,36
